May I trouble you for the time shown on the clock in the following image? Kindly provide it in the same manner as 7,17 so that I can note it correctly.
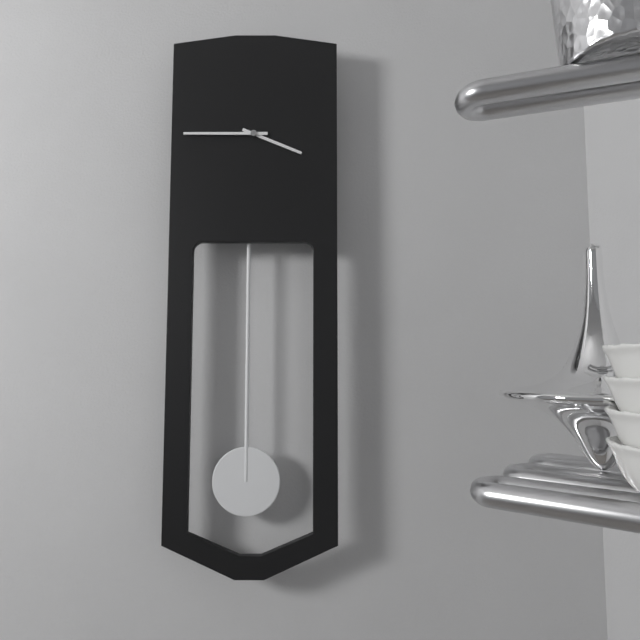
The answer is 3,45
